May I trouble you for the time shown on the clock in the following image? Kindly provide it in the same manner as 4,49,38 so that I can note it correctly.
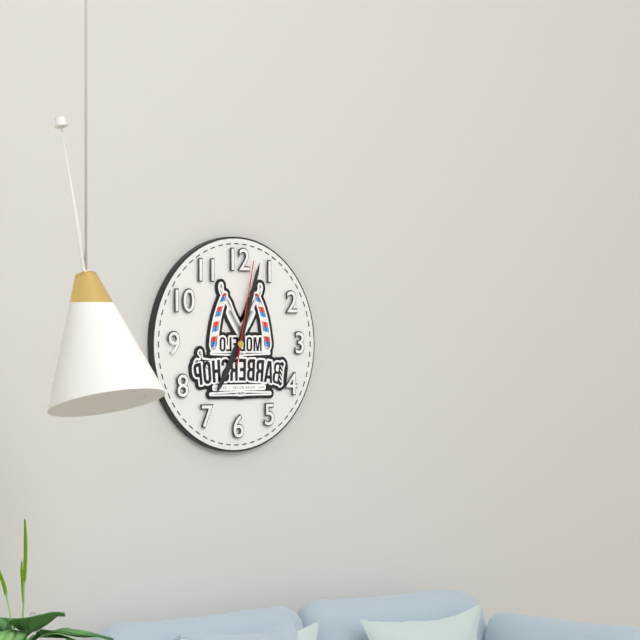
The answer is 7,03,02
